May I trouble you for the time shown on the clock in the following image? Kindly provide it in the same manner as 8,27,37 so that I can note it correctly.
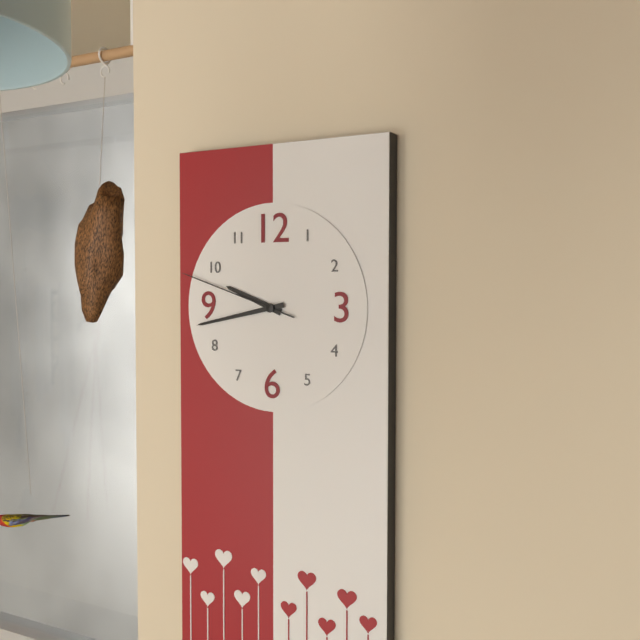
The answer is 9,43,48
